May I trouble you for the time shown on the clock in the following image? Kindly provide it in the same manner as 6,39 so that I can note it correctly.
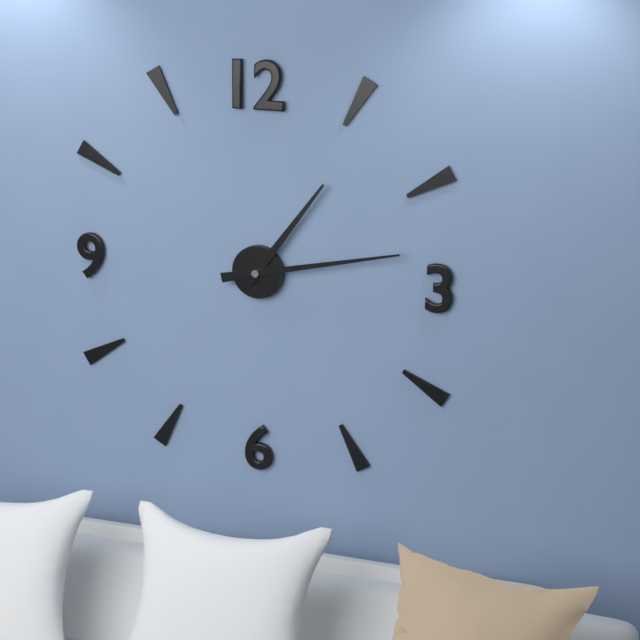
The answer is 1,13
